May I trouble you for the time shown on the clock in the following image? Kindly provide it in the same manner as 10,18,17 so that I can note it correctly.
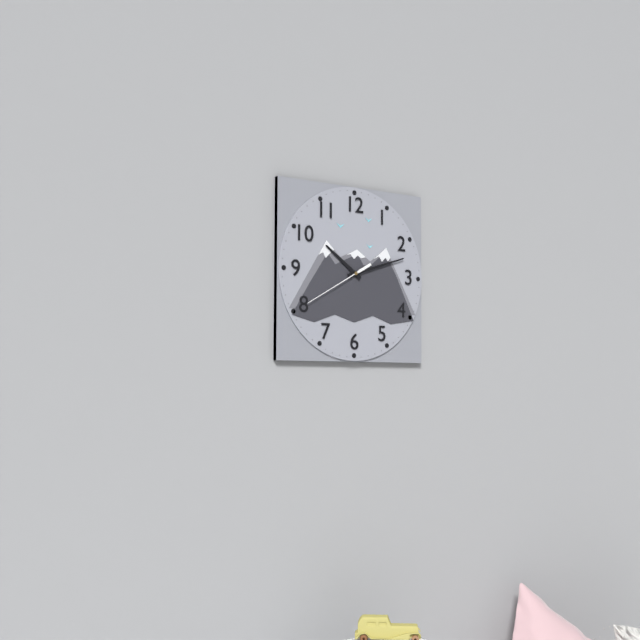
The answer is 10,12,40
